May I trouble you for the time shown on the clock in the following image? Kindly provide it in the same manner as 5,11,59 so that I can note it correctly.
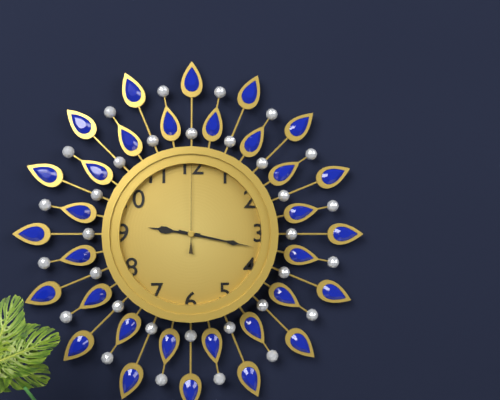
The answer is 9,17,00
